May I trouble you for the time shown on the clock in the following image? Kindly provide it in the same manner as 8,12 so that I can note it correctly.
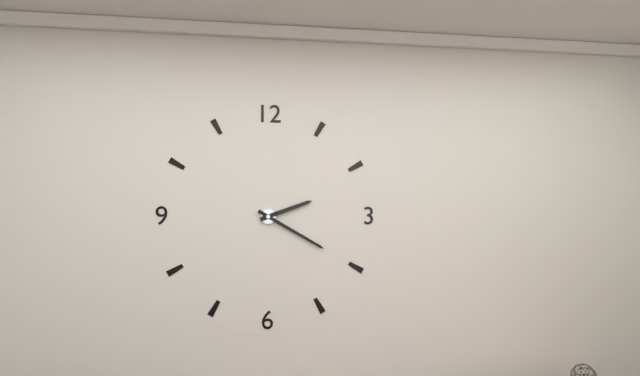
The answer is 2,20
